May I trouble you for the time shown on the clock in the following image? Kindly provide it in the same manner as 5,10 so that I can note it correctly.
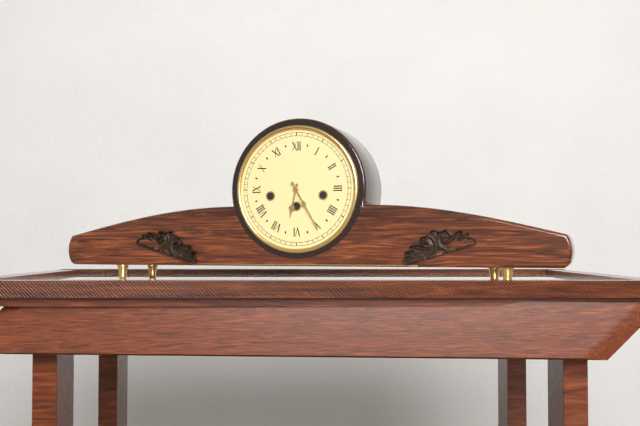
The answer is 6,25
